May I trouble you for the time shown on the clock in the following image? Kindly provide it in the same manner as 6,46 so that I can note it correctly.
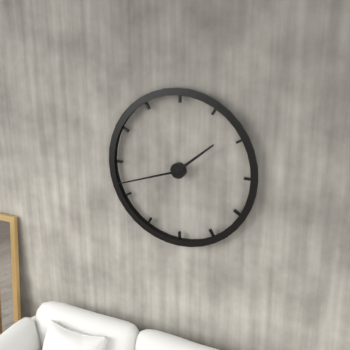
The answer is 1,42
